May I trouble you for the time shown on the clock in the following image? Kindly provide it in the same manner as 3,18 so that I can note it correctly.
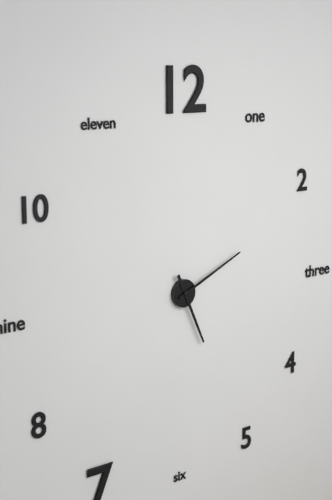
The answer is 5,11
